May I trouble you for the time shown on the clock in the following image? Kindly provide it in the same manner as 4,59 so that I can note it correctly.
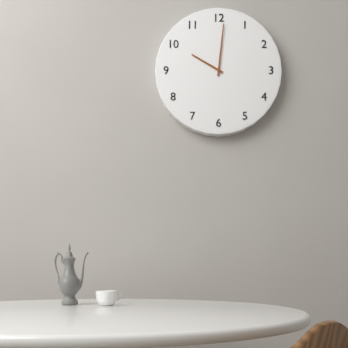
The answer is 10,01
